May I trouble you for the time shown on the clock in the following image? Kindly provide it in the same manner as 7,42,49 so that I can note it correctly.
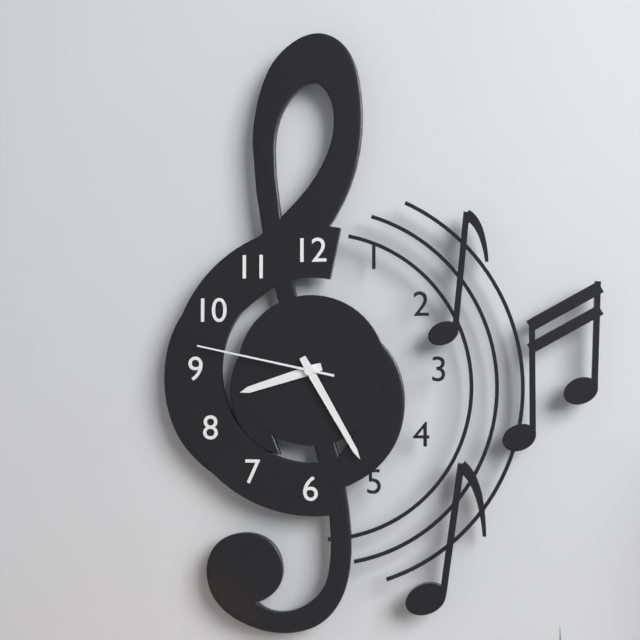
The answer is 8,25,47
